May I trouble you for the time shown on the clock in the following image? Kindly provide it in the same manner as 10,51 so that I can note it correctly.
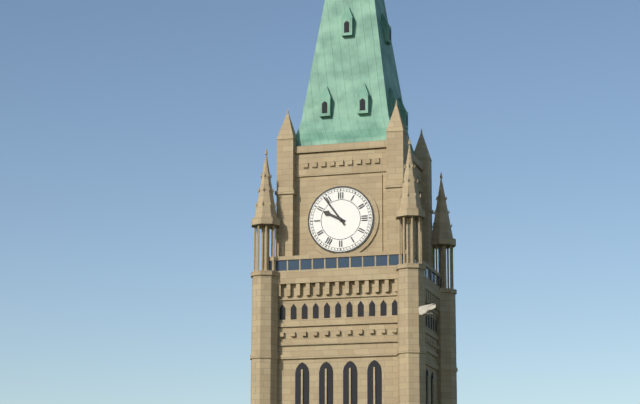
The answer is 9,54
